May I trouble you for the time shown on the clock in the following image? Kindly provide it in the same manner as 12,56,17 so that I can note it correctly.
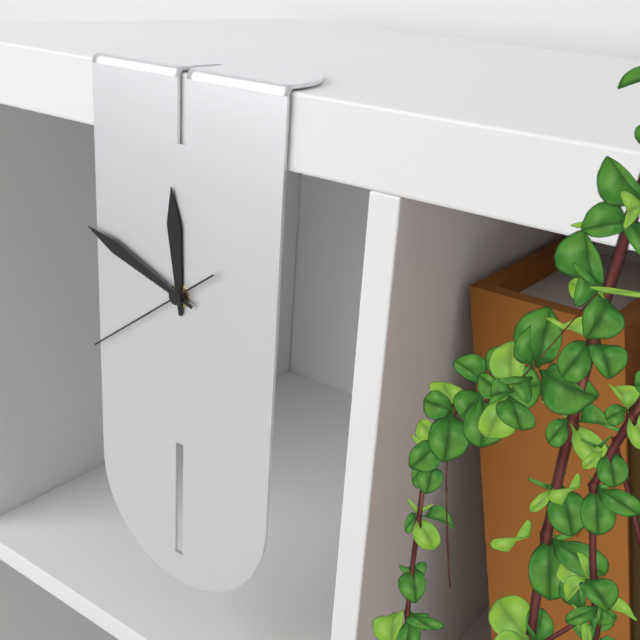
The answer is 11,48,39
